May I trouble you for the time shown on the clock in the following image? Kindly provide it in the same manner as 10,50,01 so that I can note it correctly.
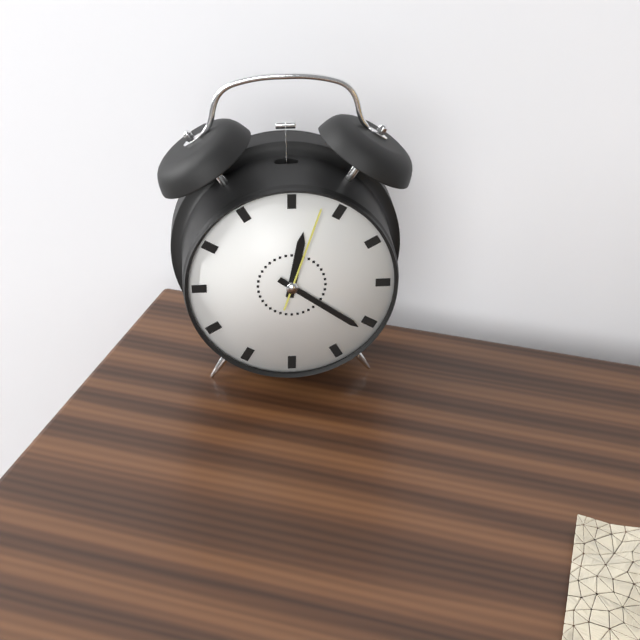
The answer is 12,21,03
